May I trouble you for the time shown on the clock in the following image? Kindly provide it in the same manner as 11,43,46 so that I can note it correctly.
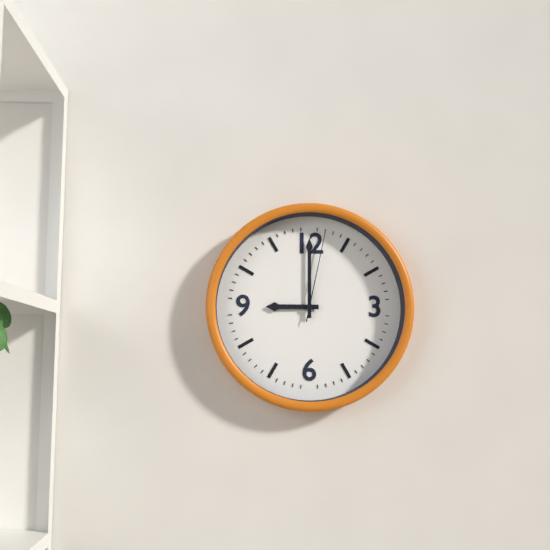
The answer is 9,00,02
